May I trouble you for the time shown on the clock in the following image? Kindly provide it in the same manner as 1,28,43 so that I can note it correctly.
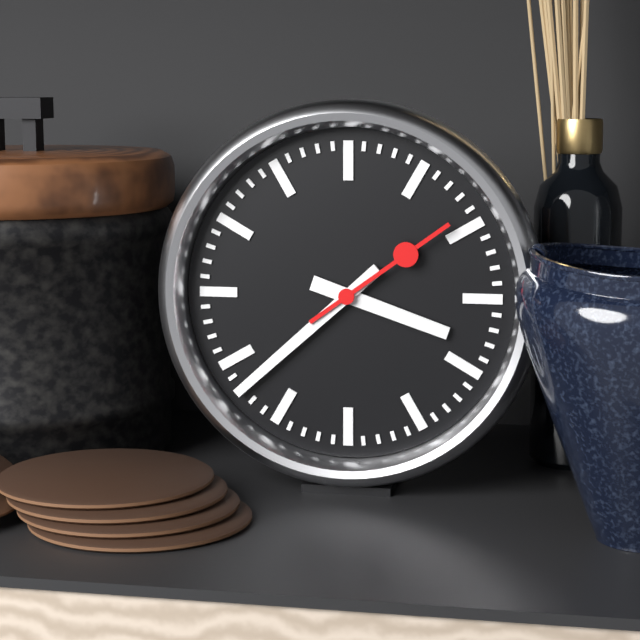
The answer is 3,38,09
